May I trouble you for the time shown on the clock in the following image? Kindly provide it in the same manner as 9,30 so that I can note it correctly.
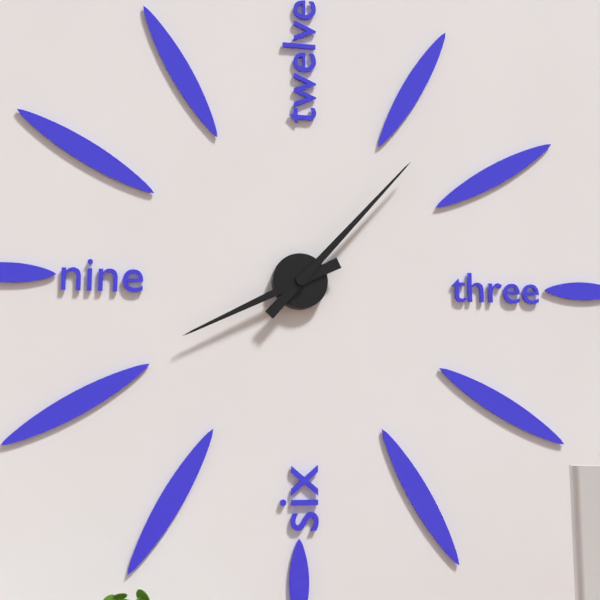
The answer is 8,07
